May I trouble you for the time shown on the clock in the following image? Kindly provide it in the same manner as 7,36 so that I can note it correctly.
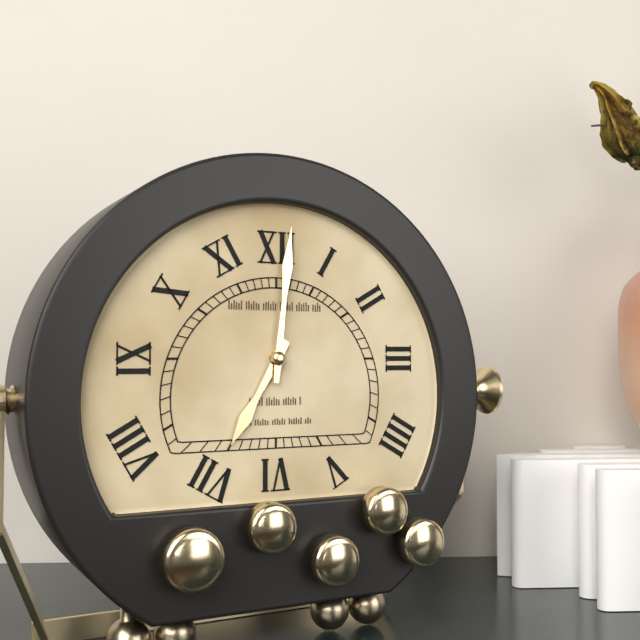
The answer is 7,01
